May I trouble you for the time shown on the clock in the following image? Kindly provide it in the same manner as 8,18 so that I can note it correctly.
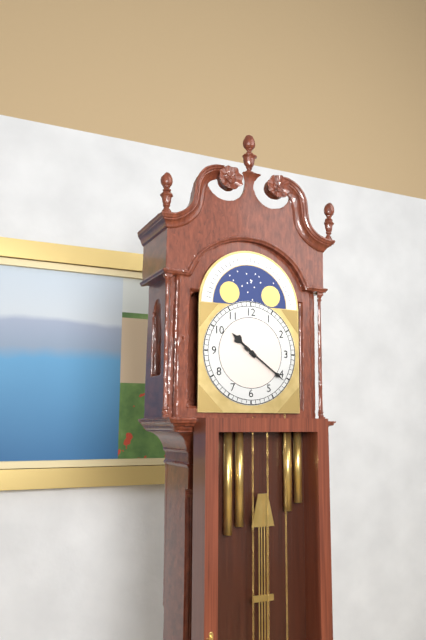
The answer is 10,21
